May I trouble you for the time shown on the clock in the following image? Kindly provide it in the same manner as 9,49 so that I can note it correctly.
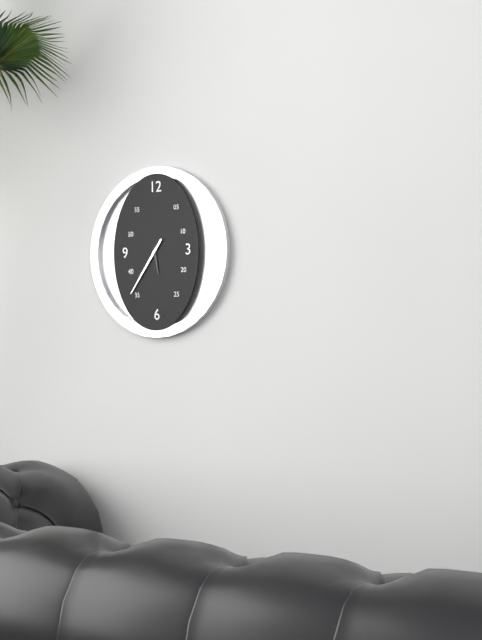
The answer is 5,36
